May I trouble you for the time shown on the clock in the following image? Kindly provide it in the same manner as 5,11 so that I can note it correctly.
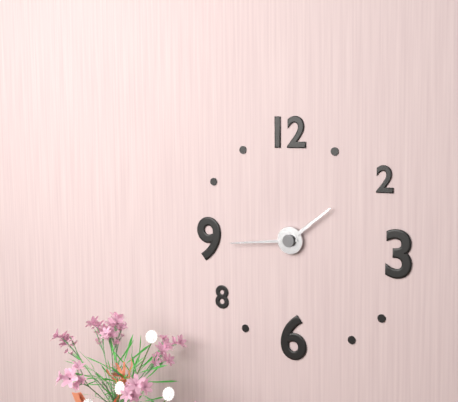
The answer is 1,44
